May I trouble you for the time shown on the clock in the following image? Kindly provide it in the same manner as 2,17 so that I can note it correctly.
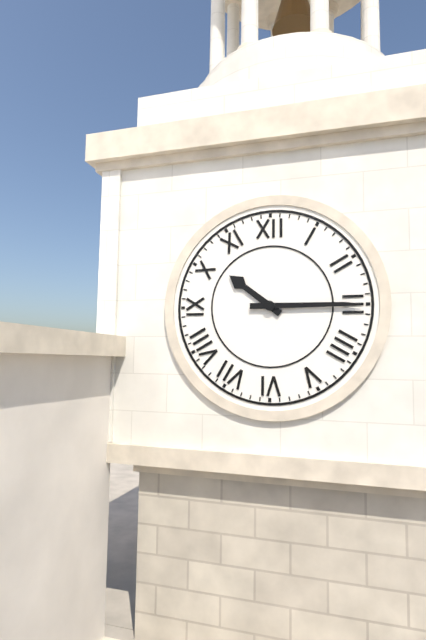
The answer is 10,15
